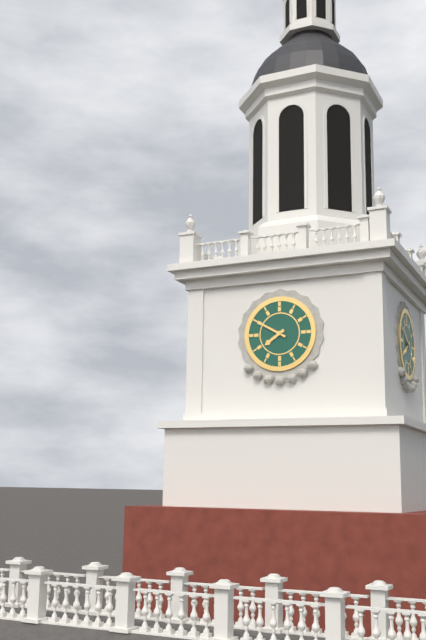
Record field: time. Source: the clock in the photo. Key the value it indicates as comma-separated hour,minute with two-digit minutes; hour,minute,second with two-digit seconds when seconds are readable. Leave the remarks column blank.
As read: 7,50
